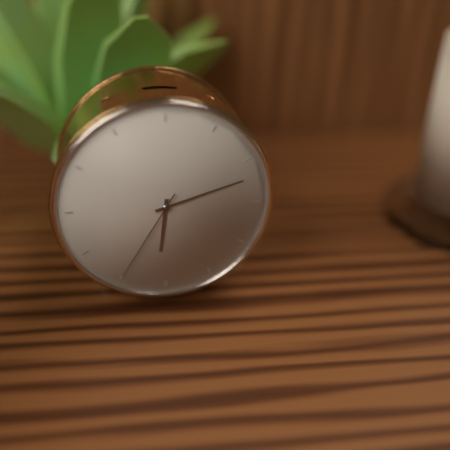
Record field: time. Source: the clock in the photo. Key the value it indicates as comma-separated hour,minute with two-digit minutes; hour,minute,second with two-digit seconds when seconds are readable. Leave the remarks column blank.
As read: 6,12,35
